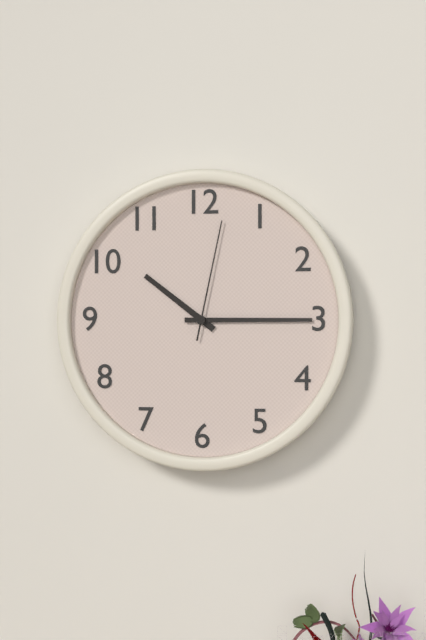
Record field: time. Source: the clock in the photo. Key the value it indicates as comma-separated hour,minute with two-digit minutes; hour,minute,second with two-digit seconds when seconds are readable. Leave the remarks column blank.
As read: 10,15,02
